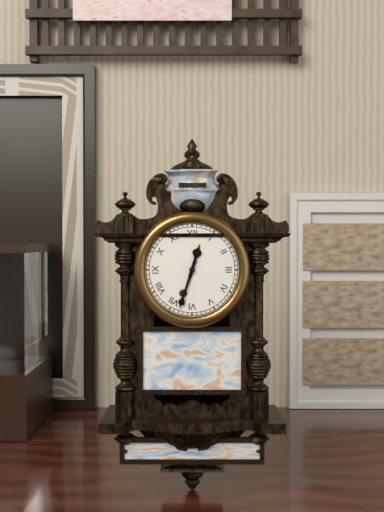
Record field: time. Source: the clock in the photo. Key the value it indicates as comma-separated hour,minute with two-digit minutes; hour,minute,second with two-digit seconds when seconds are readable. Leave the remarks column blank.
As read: 12,33
